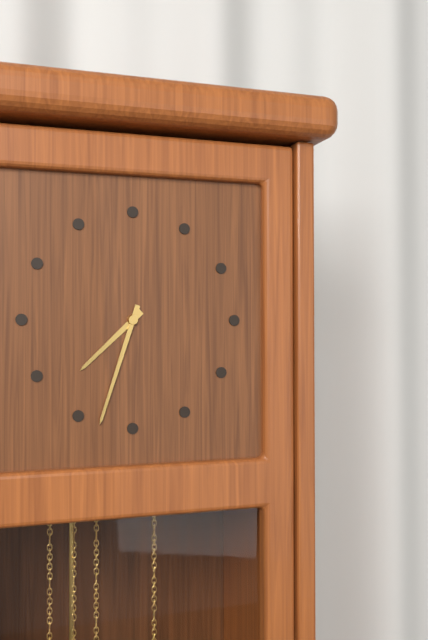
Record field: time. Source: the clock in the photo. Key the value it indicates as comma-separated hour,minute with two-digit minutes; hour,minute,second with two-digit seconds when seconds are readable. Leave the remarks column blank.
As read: 7,33
